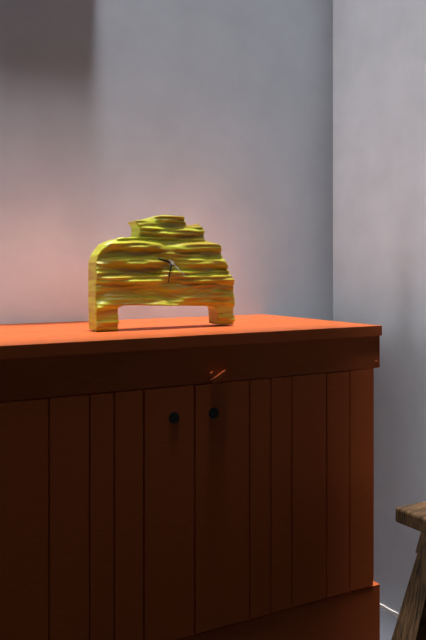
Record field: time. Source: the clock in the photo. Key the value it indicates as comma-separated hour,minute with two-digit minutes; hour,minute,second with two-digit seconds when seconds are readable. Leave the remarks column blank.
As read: 9,32
